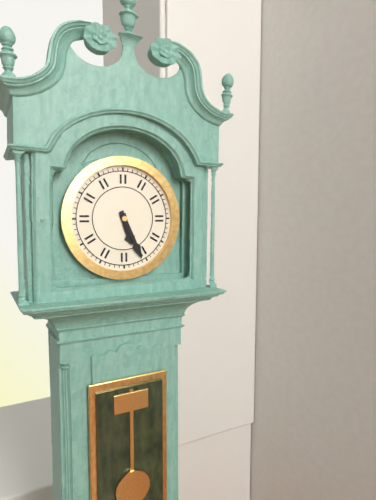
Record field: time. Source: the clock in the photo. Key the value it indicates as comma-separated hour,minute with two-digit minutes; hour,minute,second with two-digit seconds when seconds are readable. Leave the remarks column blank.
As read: 5,26
